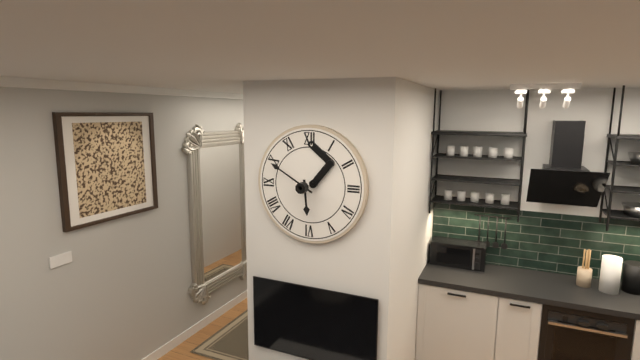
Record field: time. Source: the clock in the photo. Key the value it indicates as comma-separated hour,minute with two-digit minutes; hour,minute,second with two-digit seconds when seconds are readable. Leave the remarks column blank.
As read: 5,50
